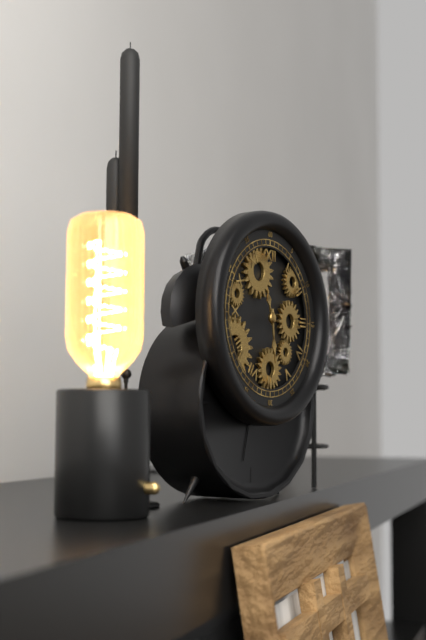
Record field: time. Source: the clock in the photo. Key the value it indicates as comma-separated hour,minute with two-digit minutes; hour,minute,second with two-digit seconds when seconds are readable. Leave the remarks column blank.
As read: 11,29
